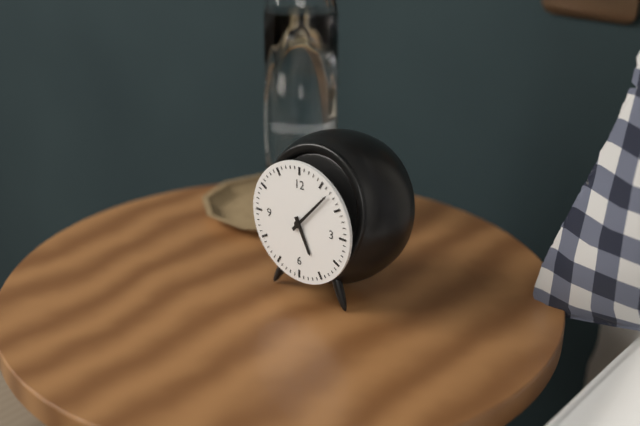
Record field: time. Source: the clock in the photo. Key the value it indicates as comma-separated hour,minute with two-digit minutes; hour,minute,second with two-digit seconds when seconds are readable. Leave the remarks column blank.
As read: 5,07
